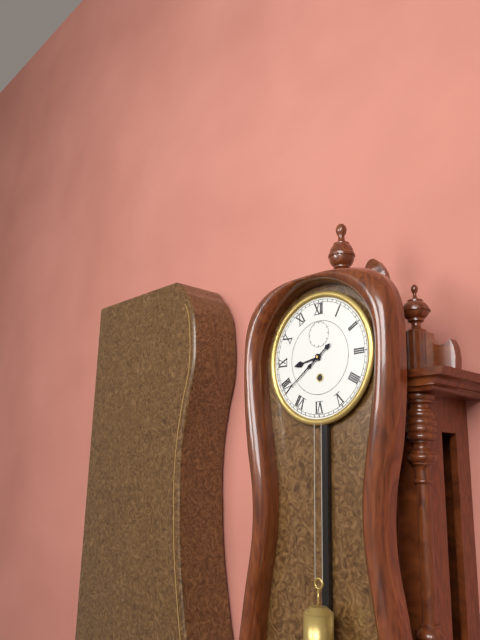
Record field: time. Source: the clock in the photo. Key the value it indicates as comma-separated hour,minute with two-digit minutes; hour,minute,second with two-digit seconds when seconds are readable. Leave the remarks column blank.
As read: 8,39
